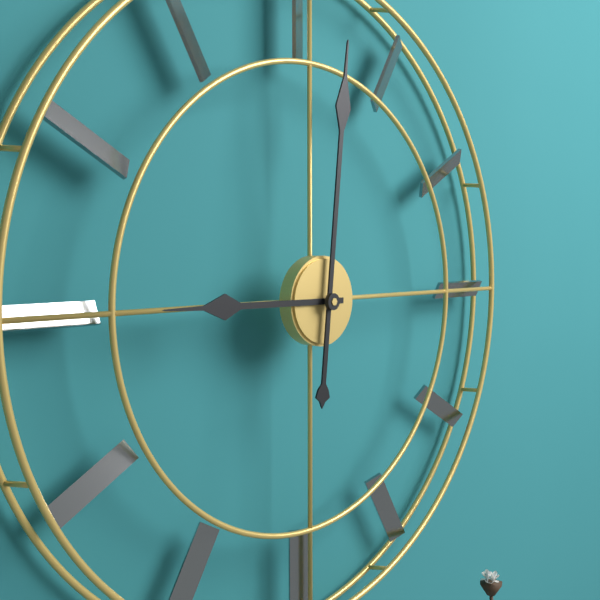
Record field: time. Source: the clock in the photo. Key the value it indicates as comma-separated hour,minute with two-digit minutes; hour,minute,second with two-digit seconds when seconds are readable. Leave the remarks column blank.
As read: 9,01
